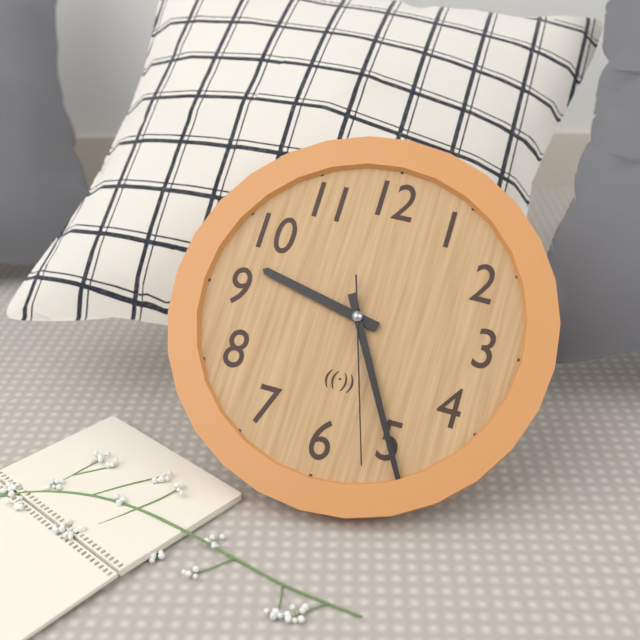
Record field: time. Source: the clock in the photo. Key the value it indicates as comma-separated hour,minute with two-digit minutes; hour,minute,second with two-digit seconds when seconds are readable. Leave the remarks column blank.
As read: 9,25,27
